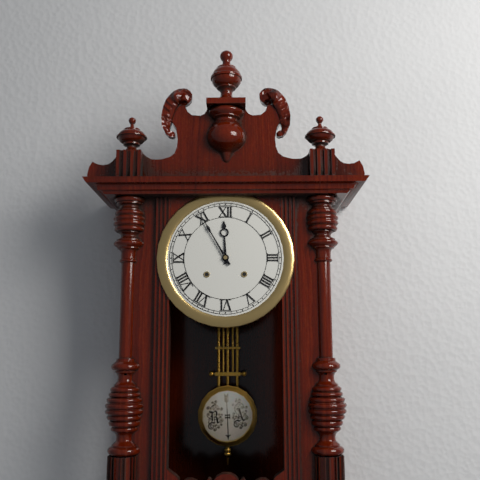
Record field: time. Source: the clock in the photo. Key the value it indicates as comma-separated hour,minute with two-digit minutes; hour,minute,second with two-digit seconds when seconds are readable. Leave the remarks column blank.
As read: 11,55
